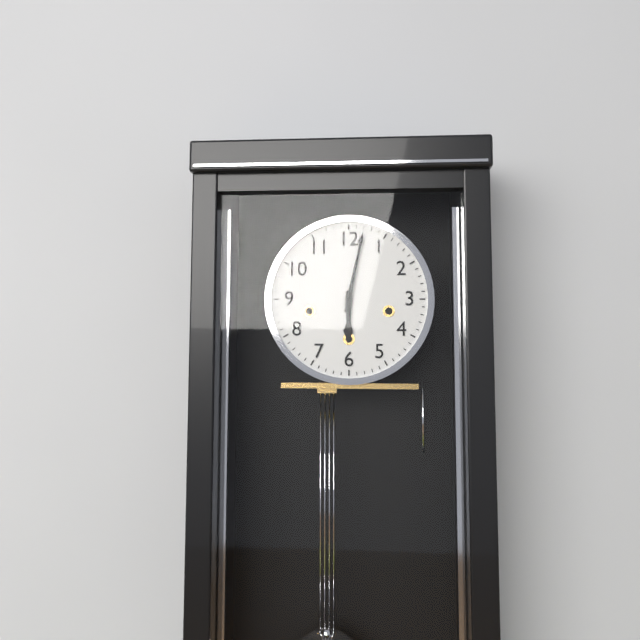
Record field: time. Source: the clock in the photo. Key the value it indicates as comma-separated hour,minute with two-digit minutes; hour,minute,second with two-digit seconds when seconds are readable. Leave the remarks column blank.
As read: 6,02
